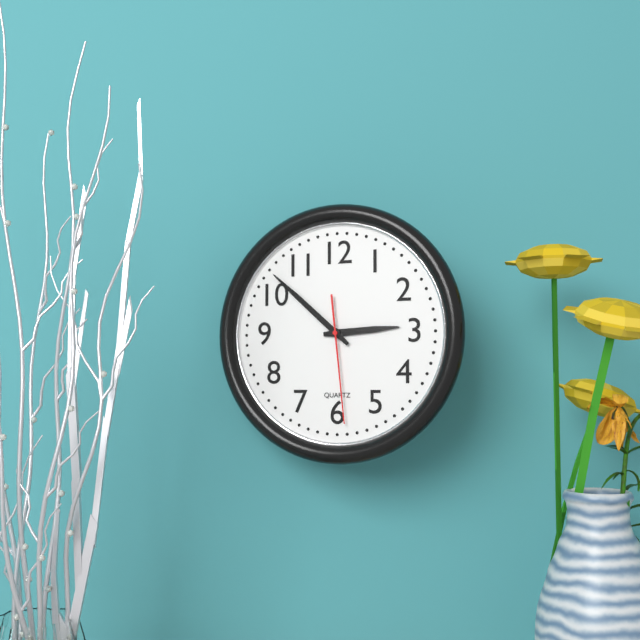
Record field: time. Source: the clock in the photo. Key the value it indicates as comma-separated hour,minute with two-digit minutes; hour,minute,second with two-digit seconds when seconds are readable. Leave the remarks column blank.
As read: 2,52,29
